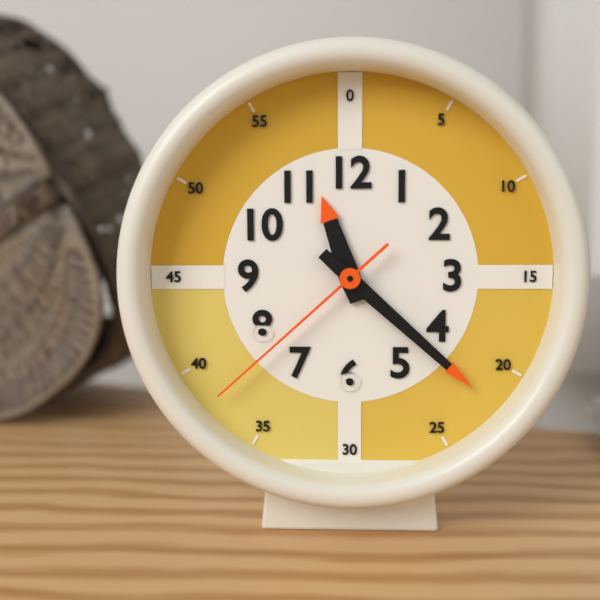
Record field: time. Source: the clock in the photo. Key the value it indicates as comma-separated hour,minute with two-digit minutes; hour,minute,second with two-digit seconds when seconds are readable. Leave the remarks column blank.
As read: 11,22,38
